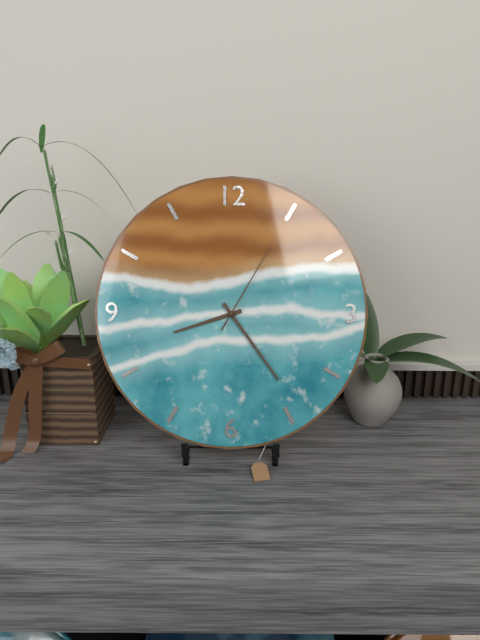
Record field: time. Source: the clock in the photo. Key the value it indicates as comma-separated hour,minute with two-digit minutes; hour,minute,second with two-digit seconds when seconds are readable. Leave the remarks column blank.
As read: 8,24,05
